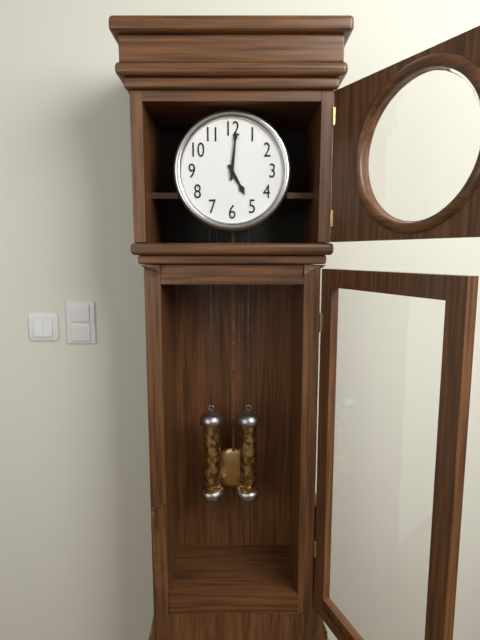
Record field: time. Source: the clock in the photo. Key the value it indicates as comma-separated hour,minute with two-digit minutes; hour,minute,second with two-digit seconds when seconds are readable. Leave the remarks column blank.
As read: 5,01
